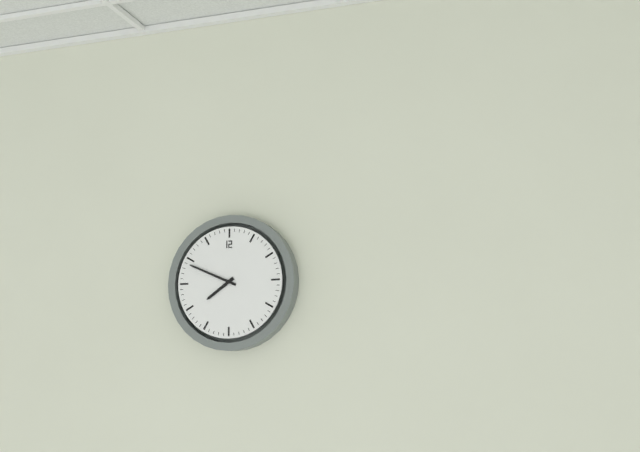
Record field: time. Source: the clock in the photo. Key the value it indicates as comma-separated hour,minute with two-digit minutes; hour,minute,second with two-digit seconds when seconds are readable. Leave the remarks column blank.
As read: 7,49
